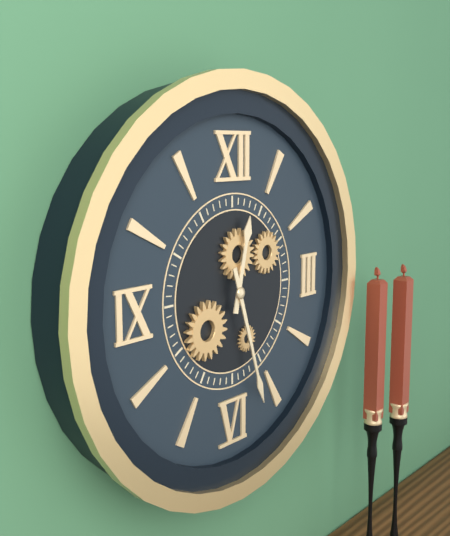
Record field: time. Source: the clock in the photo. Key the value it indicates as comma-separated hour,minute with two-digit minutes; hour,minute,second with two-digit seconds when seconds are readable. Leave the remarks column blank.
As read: 12,27
